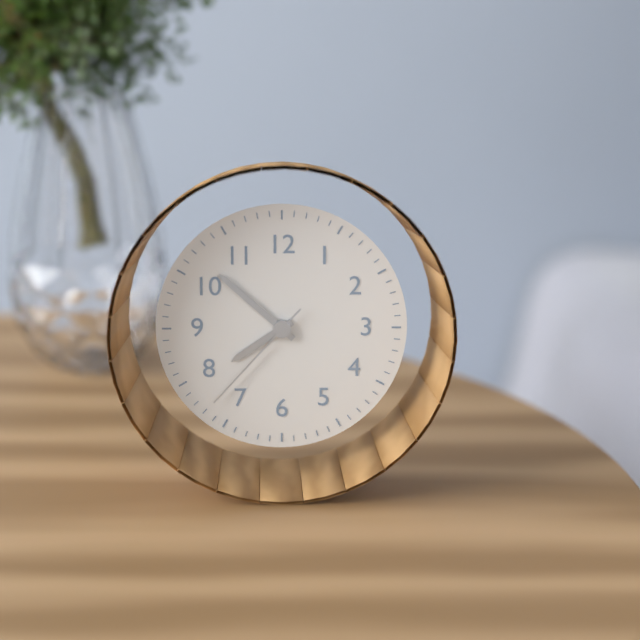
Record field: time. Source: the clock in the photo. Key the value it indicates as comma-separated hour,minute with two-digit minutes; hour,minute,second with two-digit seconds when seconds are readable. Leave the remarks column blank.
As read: 7,52,37
